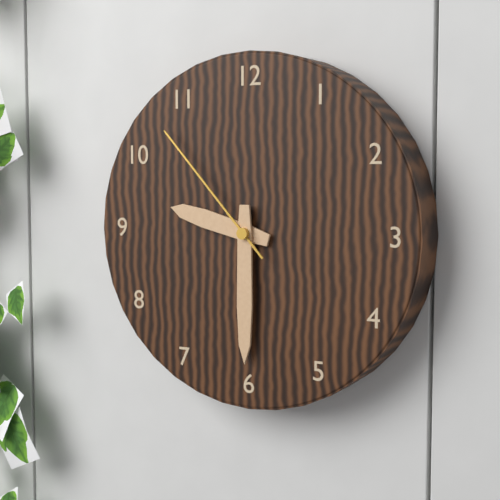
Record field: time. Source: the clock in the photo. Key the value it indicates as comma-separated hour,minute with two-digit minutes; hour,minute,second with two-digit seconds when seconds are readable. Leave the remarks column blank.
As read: 9,30,53
